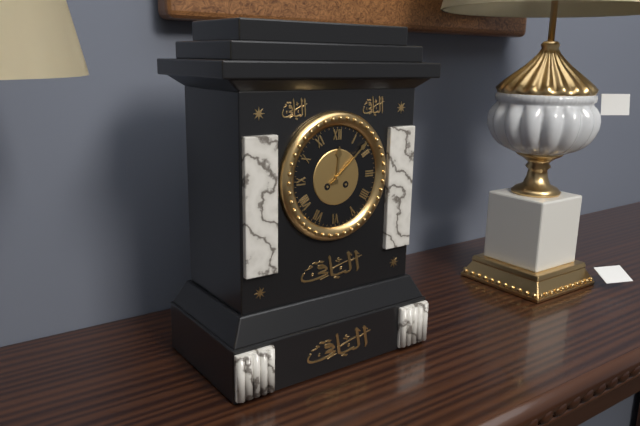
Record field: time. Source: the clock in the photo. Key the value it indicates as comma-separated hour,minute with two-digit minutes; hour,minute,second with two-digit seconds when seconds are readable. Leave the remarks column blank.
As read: 12,08
